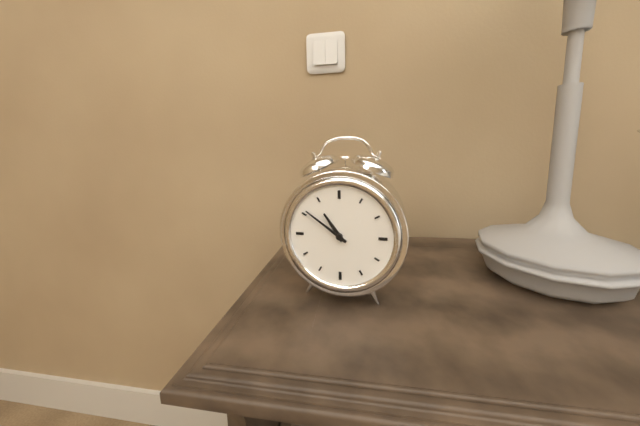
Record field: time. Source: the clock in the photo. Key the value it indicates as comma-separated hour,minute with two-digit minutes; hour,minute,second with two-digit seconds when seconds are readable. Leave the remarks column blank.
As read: 10,51
